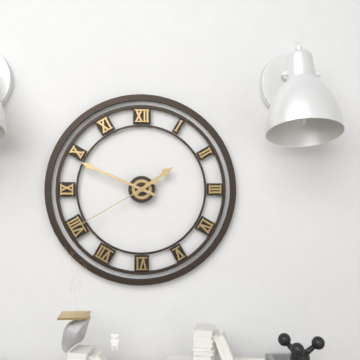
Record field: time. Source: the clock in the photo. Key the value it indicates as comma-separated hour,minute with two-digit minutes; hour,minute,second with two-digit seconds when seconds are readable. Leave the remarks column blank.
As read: 1,49,40
